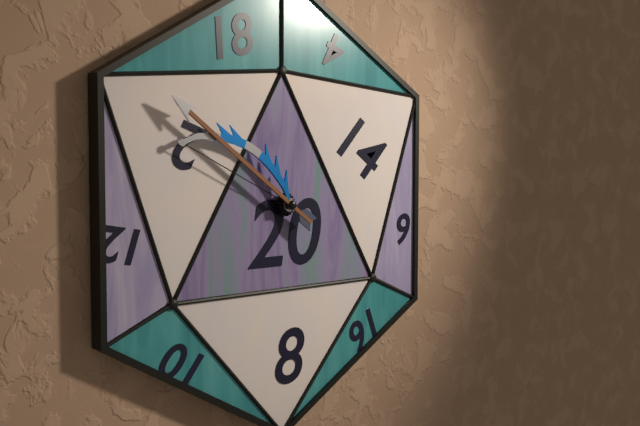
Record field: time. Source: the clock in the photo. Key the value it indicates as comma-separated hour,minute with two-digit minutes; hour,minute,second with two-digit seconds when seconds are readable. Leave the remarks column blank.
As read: 9,51
